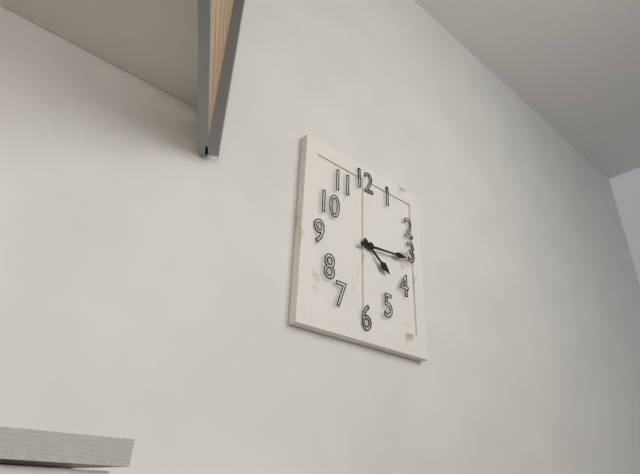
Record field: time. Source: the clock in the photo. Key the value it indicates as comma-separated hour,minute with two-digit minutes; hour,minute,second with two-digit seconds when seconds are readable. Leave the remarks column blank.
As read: 4,14
